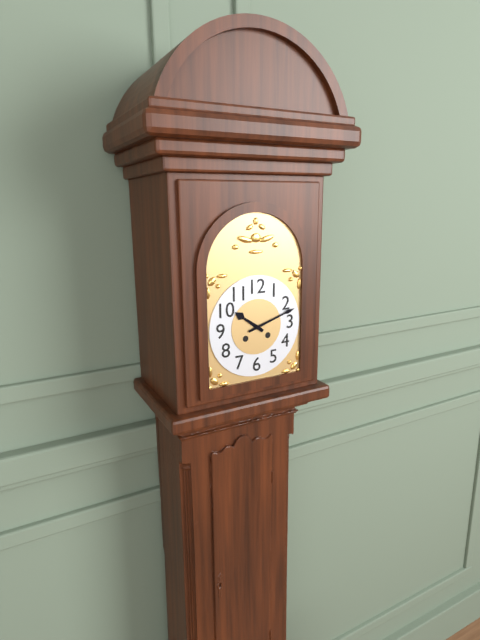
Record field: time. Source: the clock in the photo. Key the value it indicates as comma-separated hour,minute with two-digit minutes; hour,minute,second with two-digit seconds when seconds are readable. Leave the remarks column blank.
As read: 10,12
